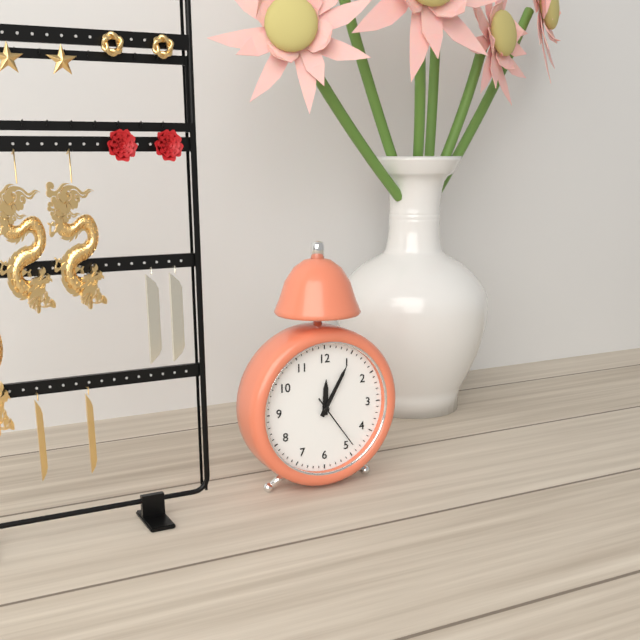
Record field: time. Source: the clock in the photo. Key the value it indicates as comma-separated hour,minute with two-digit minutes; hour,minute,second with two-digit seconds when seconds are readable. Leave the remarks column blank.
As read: 12,05,24
